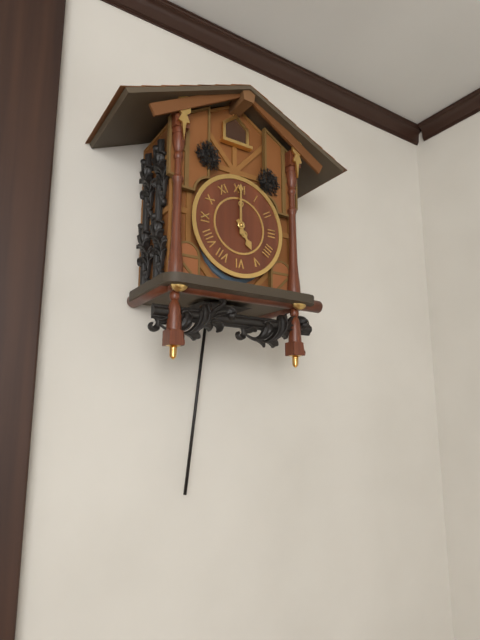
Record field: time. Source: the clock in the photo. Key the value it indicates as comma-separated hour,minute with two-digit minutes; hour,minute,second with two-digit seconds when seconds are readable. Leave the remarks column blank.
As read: 5,00
